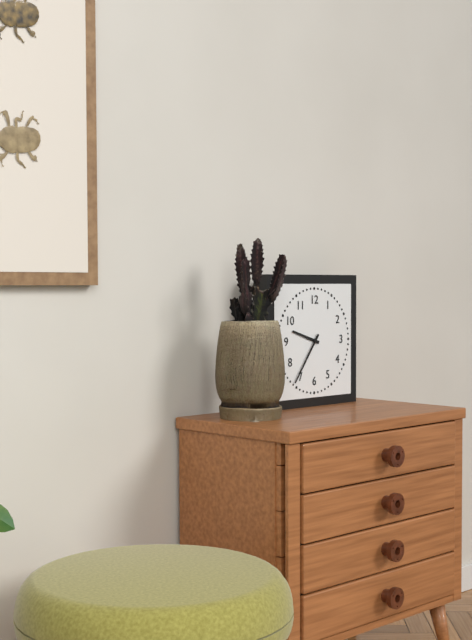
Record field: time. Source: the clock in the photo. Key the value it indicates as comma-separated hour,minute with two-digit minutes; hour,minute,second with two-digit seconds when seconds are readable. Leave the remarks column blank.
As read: 9,36
